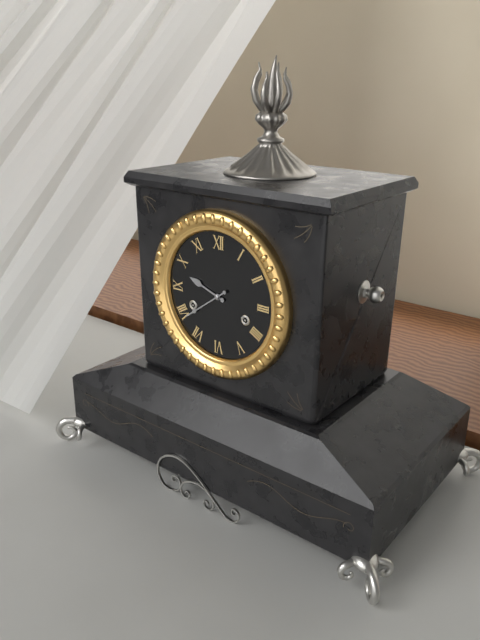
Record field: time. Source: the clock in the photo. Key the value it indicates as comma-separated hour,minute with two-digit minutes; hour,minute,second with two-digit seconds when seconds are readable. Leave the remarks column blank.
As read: 9,39
